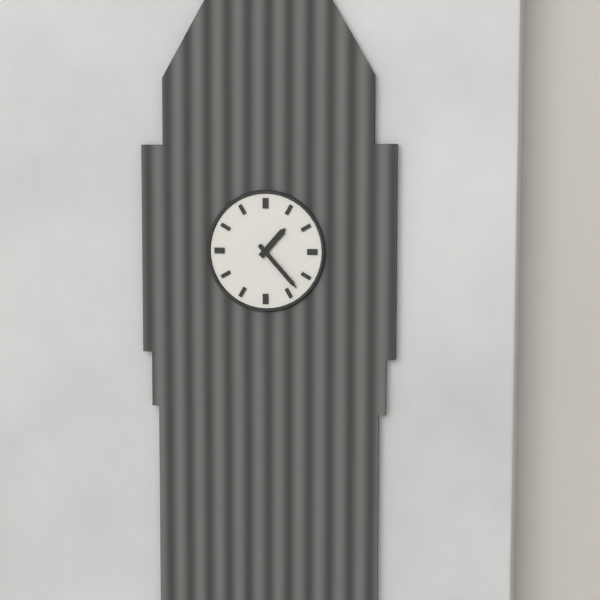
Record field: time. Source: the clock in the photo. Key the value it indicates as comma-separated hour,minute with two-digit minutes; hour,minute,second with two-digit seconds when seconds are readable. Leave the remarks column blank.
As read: 1,23
